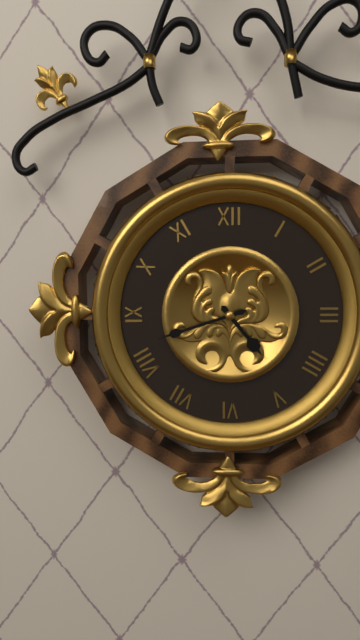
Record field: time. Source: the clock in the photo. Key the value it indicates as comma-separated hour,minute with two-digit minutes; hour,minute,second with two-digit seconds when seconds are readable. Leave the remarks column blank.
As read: 4,42
